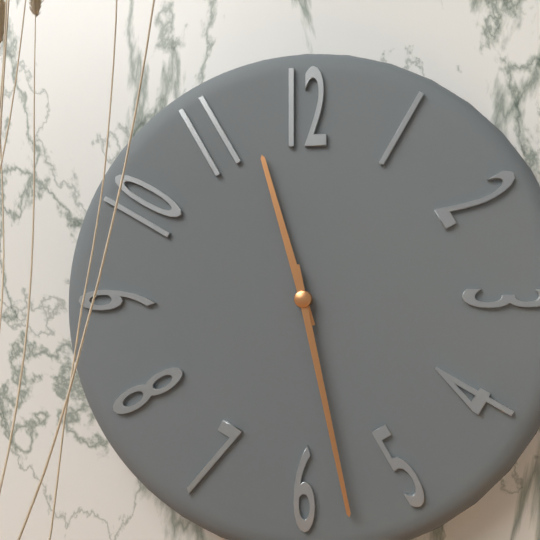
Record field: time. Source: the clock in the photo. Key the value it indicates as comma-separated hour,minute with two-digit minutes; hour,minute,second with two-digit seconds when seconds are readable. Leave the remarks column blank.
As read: 11,28
